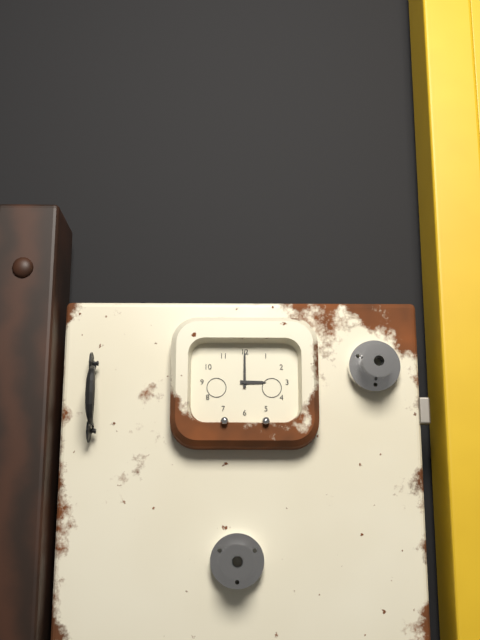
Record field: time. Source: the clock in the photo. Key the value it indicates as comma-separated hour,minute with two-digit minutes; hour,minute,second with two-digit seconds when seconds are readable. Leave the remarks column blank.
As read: 3,00
